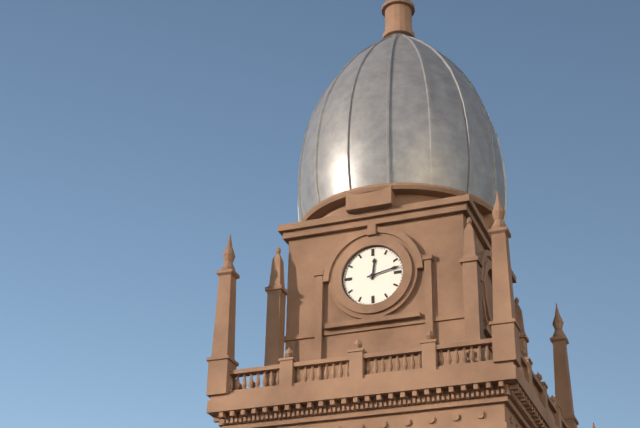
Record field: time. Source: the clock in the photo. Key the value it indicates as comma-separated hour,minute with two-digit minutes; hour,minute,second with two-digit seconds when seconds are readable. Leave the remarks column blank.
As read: 12,13
